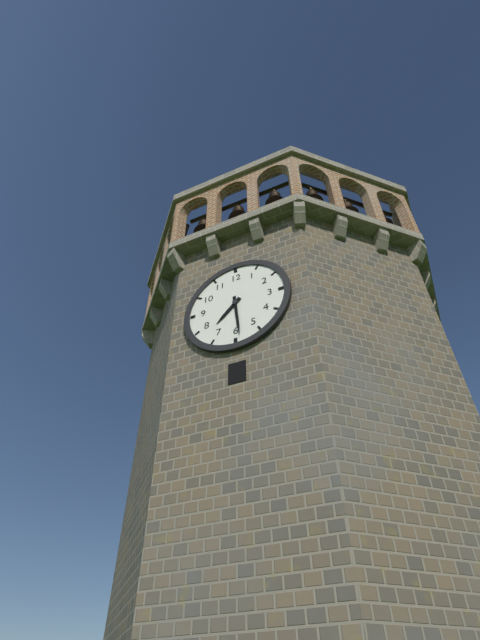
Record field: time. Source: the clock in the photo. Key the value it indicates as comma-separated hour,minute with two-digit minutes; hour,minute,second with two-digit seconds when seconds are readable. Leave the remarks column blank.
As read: 7,29
